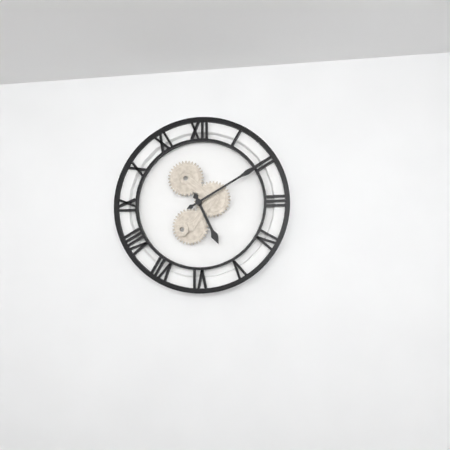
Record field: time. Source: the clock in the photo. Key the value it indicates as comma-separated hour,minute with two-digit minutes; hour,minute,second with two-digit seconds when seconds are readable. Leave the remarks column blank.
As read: 5,10
